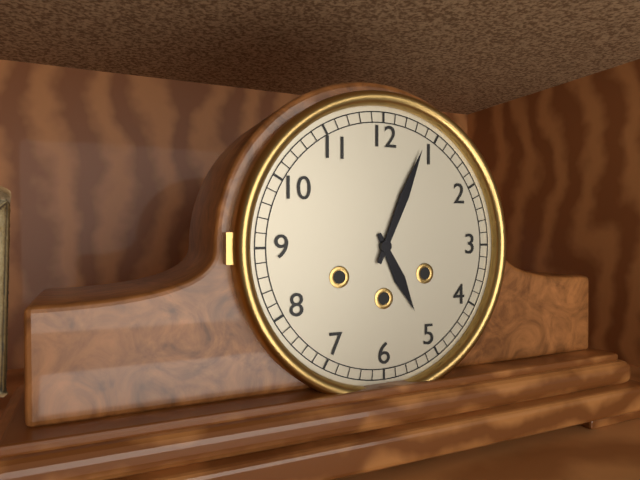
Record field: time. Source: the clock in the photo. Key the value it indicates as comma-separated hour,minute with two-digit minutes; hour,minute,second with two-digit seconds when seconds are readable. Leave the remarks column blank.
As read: 5,04
